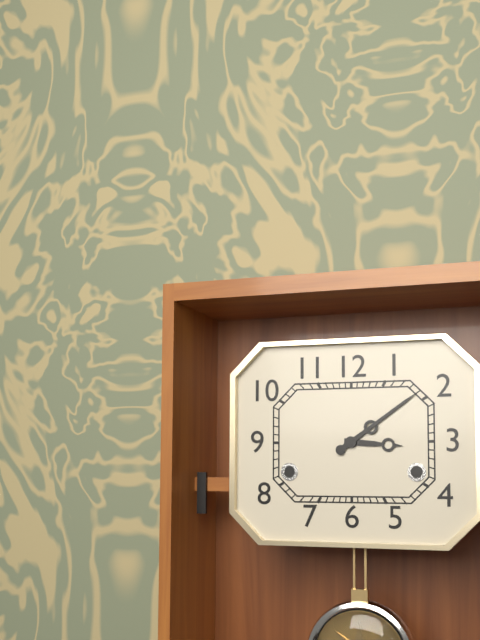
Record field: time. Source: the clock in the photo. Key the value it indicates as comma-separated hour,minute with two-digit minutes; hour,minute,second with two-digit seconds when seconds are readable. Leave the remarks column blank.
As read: 3,09
